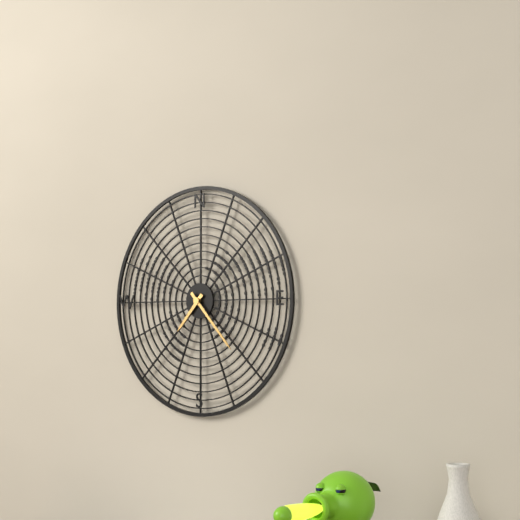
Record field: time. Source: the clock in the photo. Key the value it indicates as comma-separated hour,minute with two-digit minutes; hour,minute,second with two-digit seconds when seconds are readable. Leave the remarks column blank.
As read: 7,23
